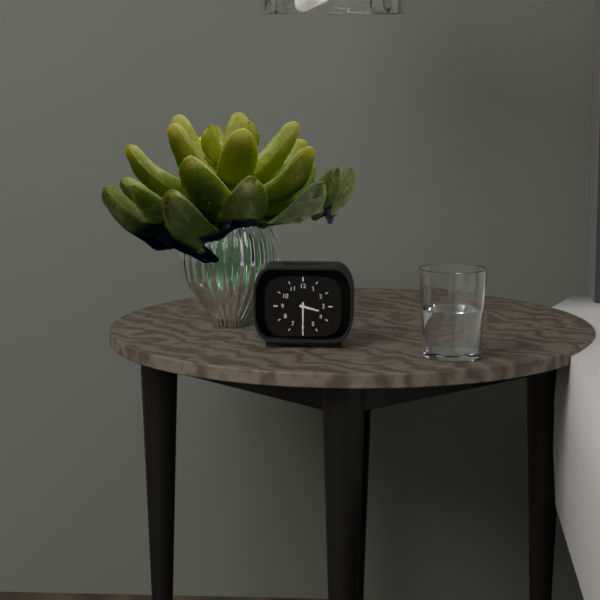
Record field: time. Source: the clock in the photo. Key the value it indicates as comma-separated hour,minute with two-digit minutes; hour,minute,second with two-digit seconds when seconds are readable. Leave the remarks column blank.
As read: 3,30
